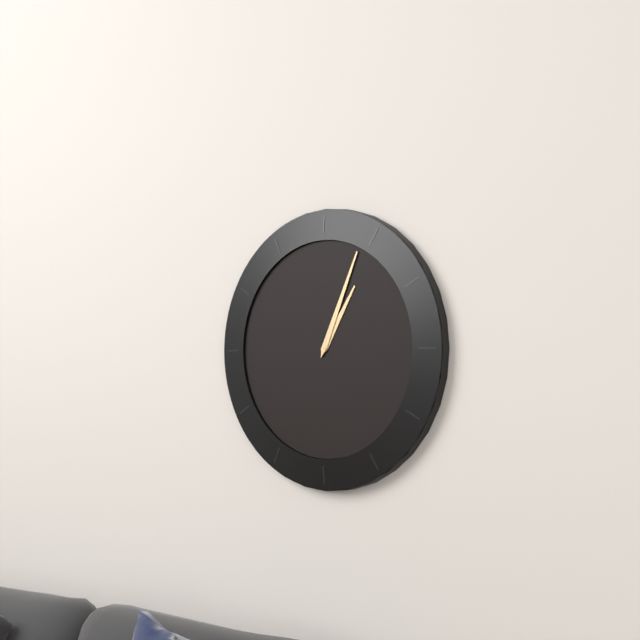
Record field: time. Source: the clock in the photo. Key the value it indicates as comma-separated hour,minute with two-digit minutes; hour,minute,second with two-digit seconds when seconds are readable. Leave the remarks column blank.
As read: 1,04
